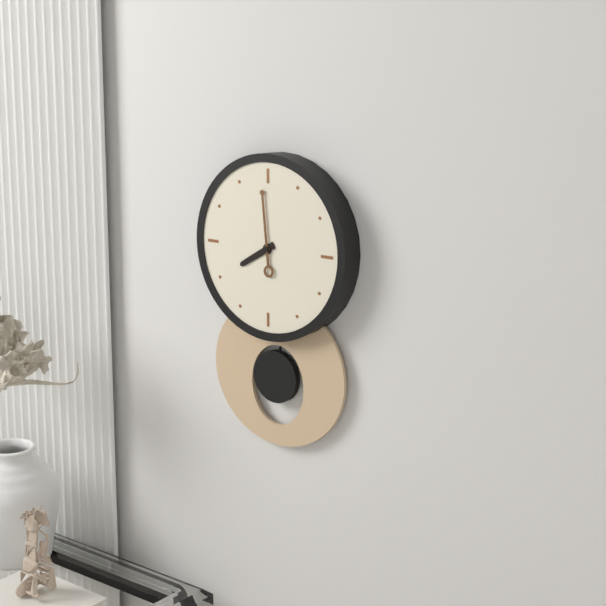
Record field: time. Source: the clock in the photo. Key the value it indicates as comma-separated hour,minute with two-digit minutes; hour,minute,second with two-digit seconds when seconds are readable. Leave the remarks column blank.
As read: 7,59
